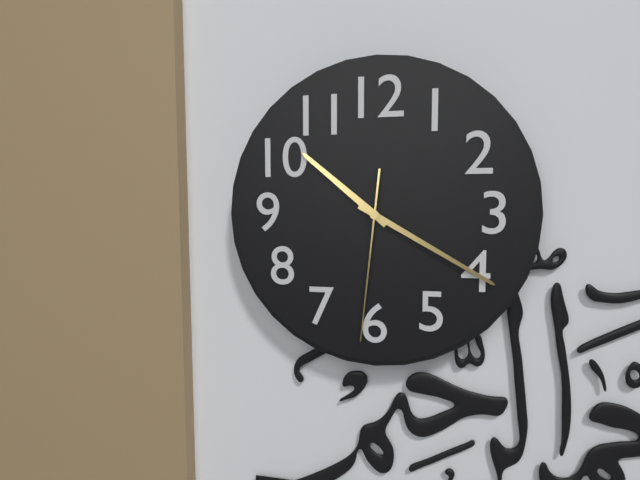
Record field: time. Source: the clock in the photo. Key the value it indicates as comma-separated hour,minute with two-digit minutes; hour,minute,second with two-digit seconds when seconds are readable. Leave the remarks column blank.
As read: 10,20,31
